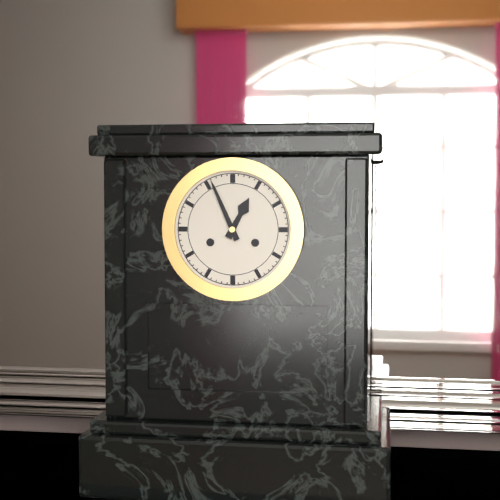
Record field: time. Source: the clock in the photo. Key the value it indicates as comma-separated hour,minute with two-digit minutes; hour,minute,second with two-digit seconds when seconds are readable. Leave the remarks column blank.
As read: 12,56
